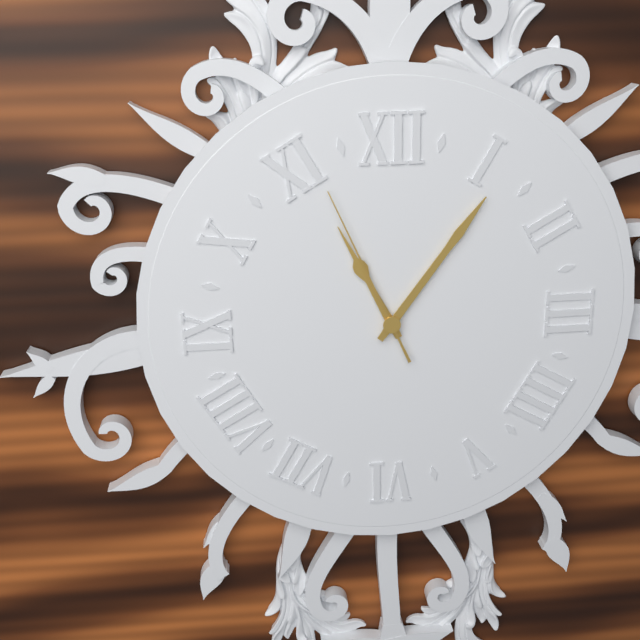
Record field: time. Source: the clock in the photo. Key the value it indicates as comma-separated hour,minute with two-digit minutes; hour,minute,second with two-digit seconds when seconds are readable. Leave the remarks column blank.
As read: 11,06,56
